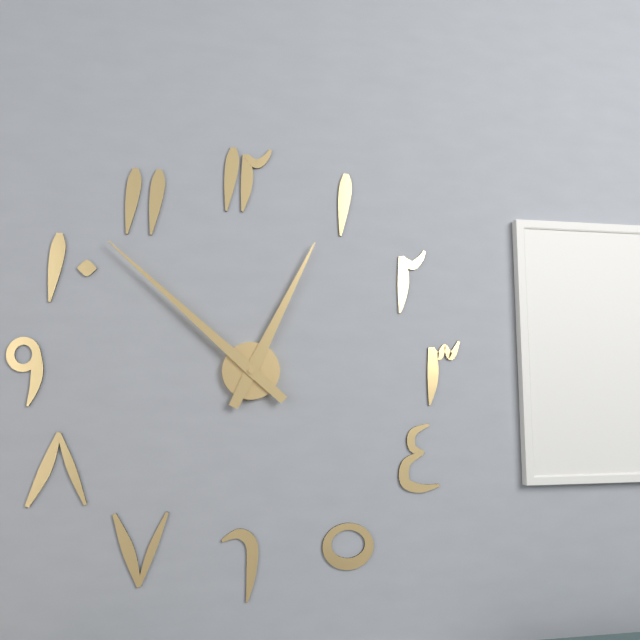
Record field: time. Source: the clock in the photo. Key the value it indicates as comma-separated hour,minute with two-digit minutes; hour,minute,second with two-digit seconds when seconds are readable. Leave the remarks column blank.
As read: 12,52
